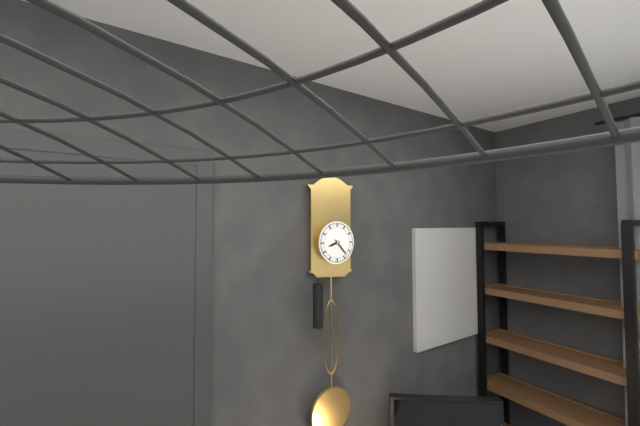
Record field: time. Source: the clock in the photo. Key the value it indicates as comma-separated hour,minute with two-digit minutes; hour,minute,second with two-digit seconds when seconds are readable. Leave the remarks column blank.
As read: 8,23
